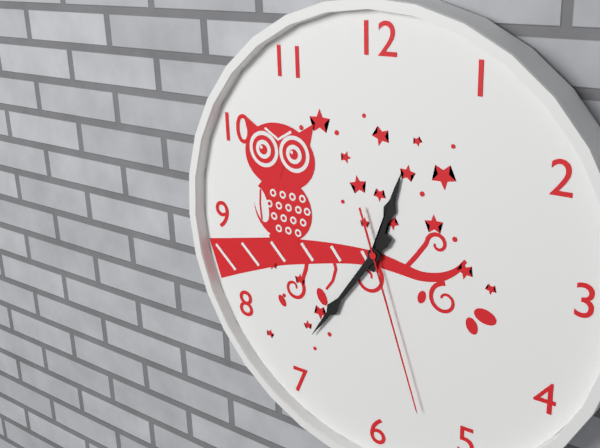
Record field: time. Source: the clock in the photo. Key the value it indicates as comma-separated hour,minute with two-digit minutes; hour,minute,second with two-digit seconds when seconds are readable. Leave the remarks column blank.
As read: 12,36,27
